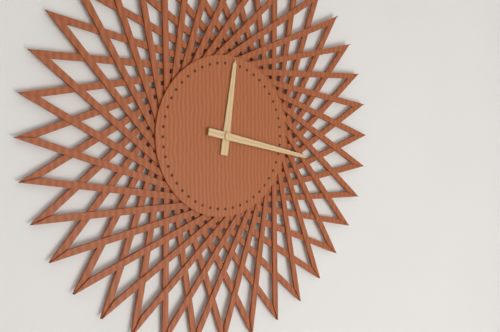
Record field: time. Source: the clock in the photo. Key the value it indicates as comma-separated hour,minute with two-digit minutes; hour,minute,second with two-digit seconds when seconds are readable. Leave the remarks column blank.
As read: 12,17
